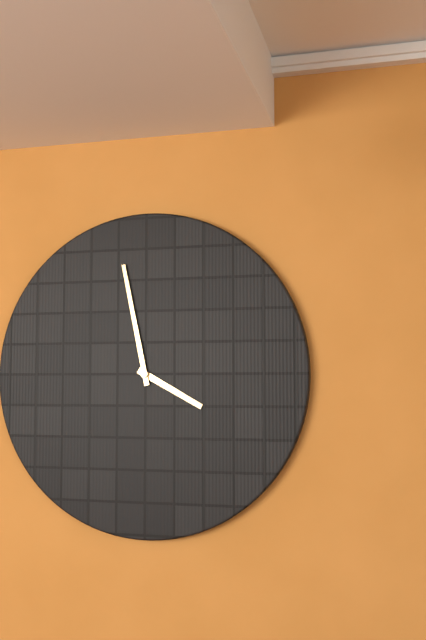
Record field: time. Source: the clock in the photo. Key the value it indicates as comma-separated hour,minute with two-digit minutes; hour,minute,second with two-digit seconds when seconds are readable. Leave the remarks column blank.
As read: 3,58
